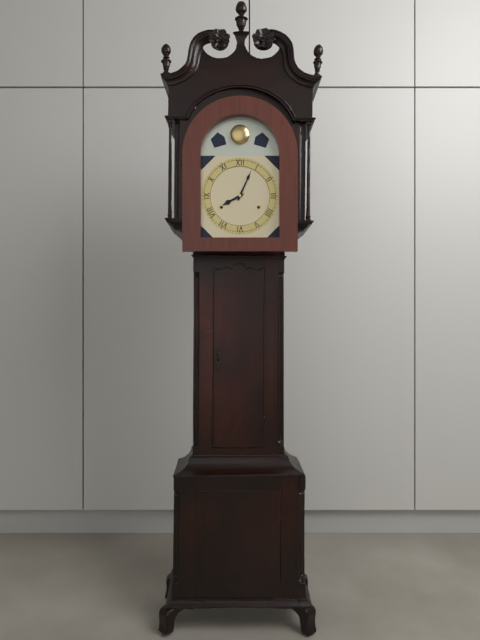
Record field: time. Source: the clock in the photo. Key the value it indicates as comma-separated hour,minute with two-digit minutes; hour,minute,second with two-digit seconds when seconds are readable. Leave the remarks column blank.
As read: 8,04
